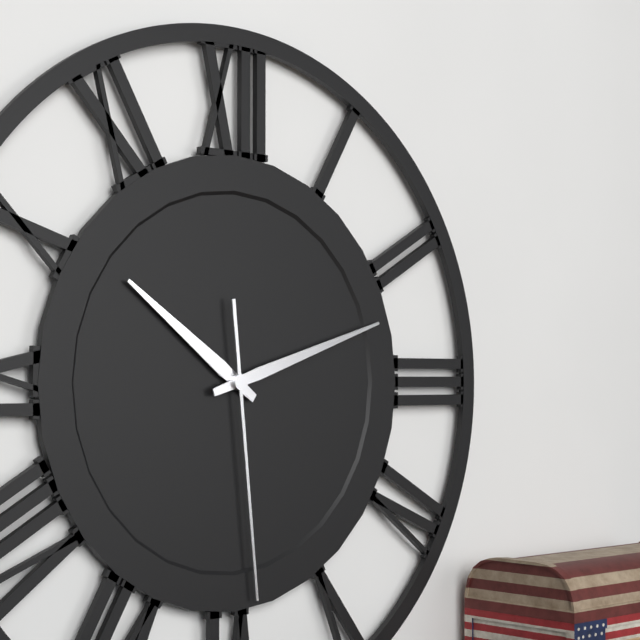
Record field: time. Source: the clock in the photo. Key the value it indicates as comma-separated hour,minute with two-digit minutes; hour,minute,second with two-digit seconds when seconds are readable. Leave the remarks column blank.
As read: 10,12,29
